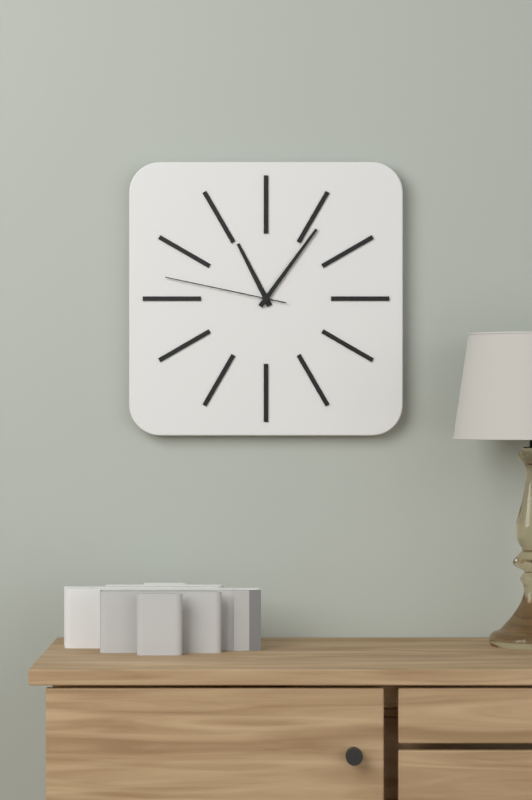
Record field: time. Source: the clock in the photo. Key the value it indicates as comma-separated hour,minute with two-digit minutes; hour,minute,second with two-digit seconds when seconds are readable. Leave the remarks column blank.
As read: 11,06,47
